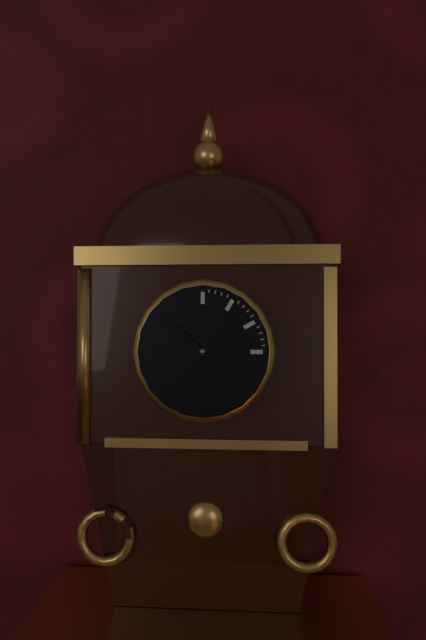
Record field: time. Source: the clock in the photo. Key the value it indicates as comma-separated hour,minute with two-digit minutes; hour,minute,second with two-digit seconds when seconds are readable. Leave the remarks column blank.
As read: 1,52
